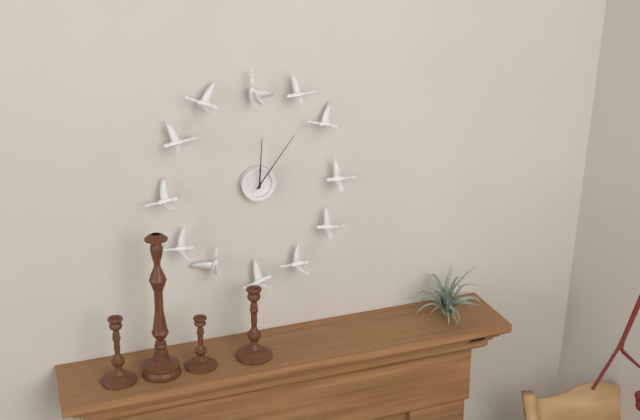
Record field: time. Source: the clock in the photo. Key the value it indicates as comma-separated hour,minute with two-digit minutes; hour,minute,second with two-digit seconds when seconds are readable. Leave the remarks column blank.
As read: 12,06
